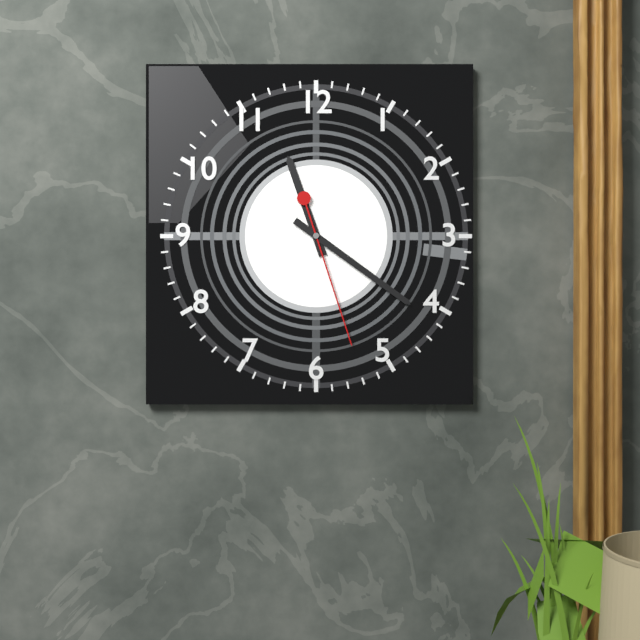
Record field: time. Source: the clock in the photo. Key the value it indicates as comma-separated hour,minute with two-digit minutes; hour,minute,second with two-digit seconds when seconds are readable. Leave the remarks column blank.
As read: 11,21,27
